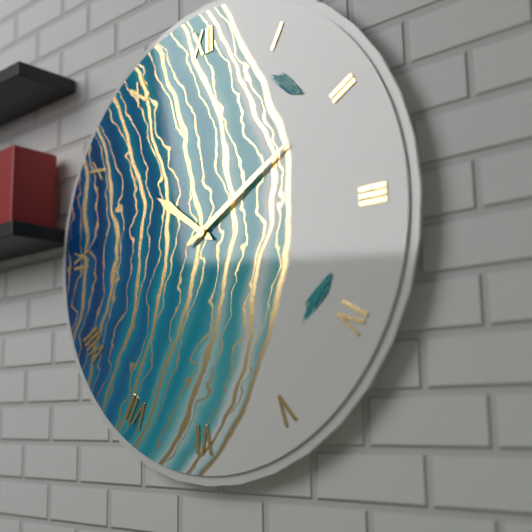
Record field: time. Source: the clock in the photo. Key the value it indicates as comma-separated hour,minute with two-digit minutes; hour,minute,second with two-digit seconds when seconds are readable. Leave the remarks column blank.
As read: 10,10
